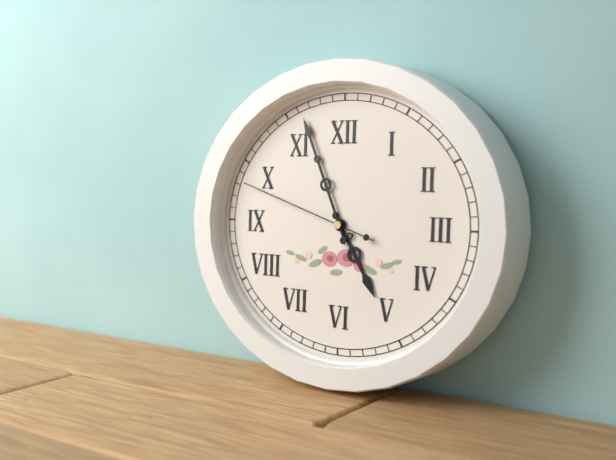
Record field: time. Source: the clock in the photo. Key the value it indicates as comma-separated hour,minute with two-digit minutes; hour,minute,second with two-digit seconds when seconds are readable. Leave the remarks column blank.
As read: 4,56,48
